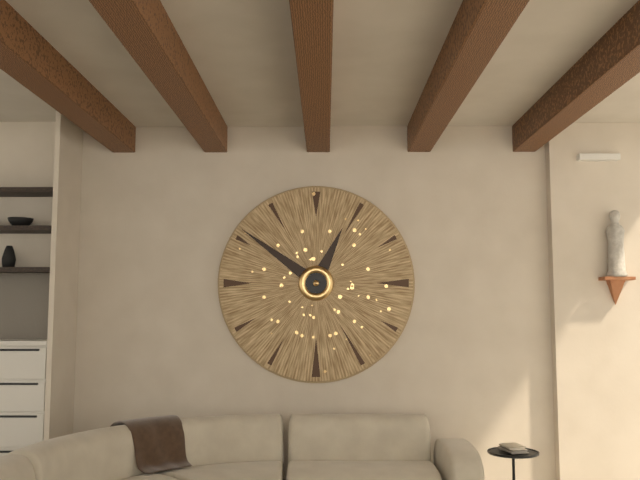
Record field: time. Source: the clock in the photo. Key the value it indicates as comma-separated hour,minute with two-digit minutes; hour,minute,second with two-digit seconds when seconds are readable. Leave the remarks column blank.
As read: 12,51
